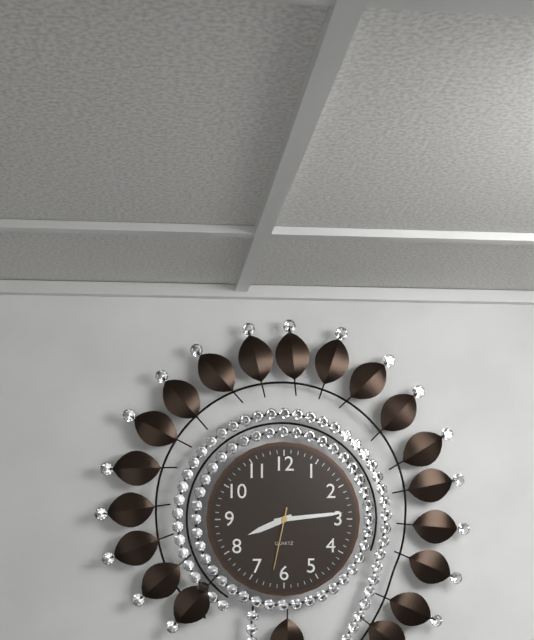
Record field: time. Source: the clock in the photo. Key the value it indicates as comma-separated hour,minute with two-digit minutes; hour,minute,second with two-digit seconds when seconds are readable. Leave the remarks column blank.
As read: 8,14,32
